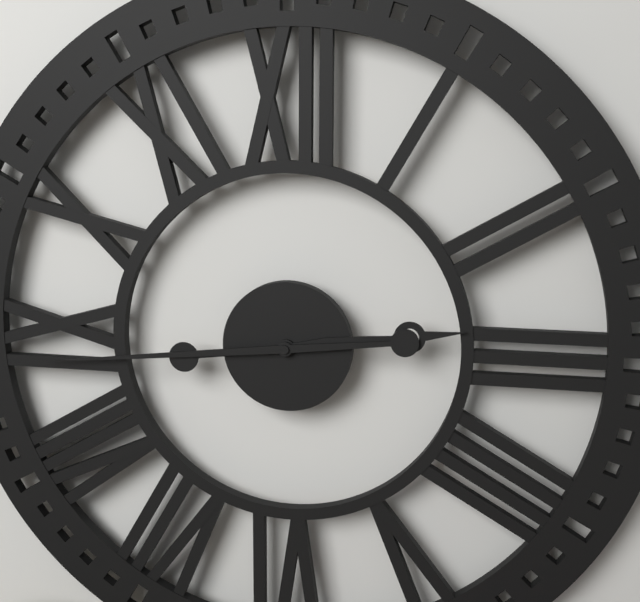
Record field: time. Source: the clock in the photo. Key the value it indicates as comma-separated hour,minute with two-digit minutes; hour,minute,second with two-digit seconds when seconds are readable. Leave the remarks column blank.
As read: 2,44
